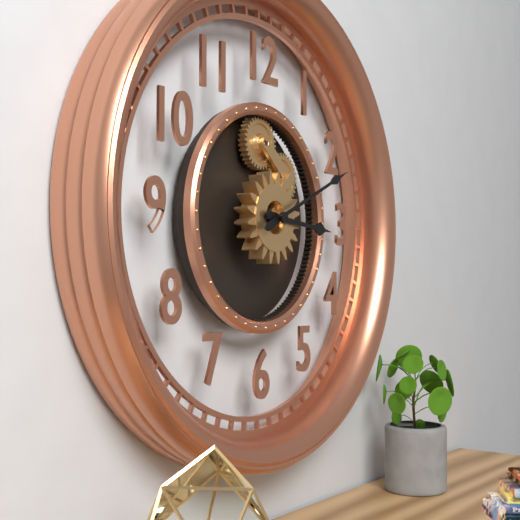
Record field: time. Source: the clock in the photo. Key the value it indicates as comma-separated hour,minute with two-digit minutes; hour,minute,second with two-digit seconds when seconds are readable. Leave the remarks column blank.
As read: 3,11
